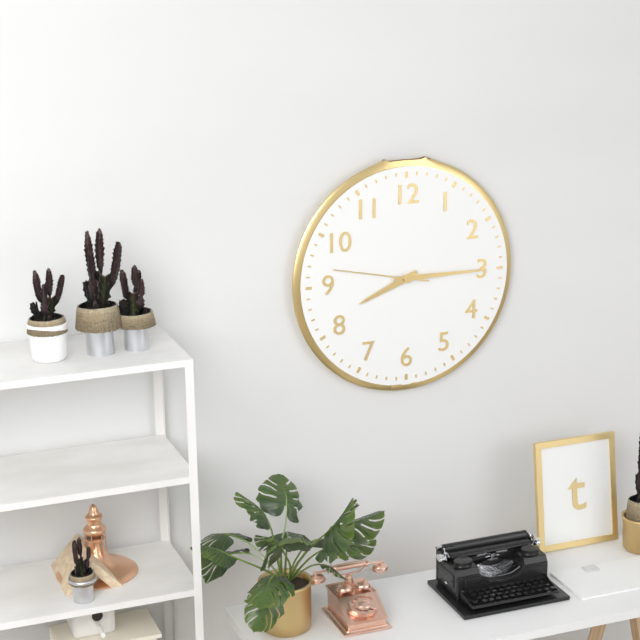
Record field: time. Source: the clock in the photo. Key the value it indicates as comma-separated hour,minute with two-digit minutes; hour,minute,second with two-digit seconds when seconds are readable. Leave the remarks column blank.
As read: 8,15,47
